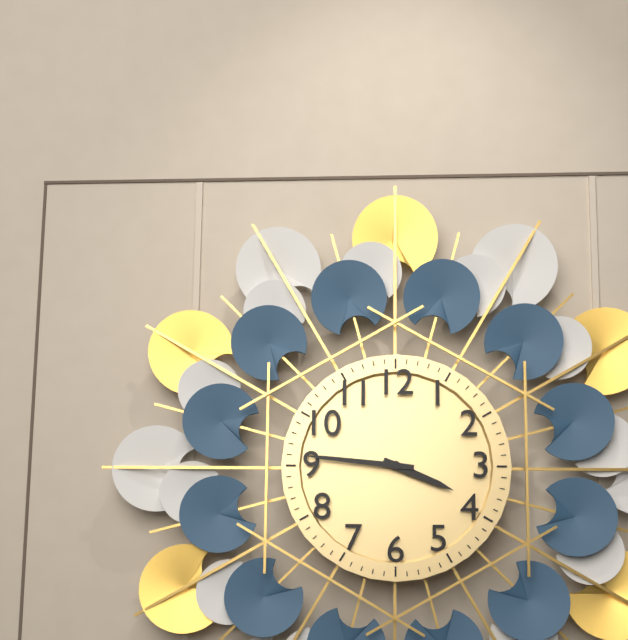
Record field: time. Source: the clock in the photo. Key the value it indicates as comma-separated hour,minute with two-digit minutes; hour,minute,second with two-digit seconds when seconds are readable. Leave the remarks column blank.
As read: 3,46
